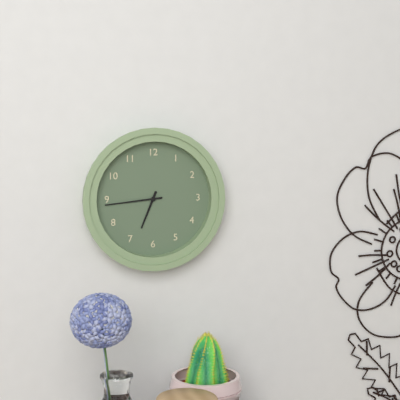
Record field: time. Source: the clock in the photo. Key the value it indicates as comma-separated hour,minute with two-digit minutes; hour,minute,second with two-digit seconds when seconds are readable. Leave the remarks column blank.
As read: 6,44
